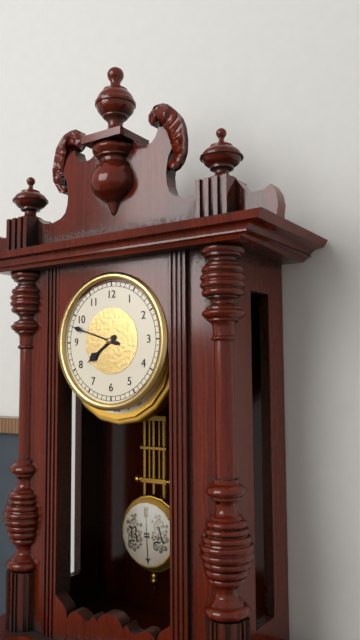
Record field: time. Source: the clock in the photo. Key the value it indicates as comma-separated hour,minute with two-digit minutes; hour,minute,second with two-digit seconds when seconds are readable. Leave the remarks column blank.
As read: 7,48
